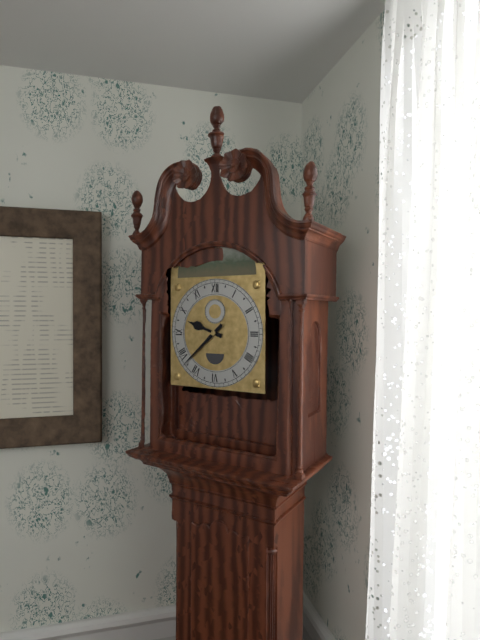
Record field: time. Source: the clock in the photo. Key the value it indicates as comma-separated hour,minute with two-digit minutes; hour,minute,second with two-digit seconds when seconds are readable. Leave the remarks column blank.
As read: 9,38
